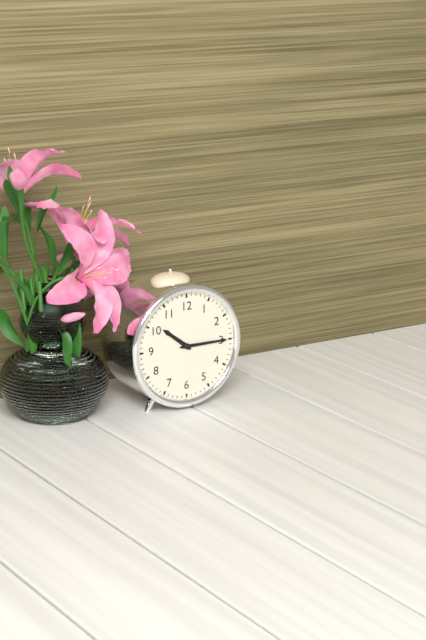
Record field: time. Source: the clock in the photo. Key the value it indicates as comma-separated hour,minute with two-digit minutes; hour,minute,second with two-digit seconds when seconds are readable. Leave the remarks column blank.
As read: 10,15
